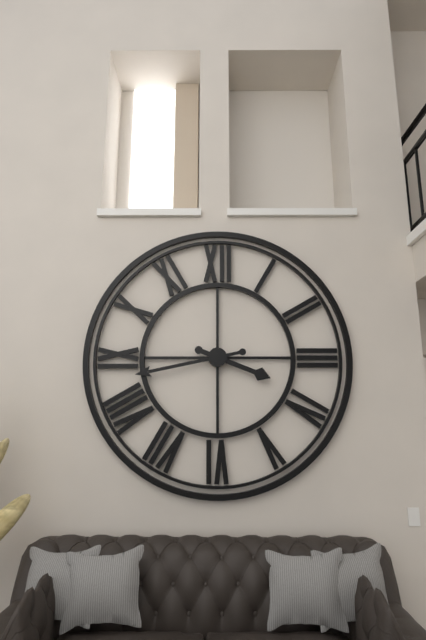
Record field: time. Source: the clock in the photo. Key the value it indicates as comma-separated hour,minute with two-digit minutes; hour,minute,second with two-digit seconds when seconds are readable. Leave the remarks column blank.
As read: 3,43
